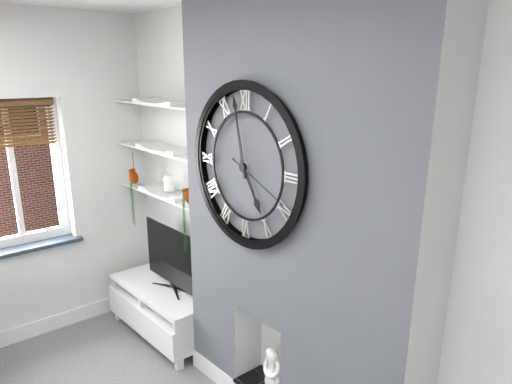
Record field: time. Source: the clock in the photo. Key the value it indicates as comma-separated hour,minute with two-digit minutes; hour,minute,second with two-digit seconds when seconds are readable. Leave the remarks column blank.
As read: 4,58,19
